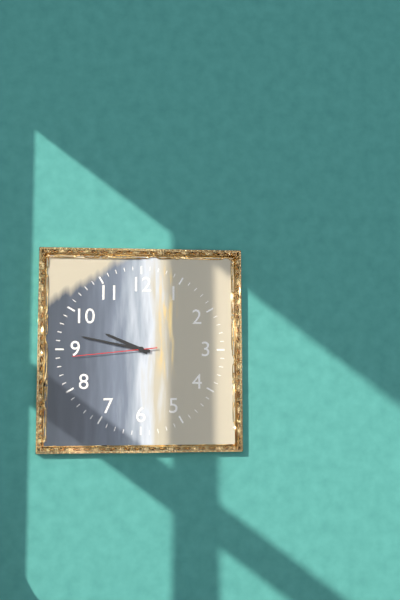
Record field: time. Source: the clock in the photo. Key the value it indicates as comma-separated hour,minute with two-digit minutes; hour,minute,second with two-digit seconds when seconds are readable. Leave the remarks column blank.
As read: 9,47,44
